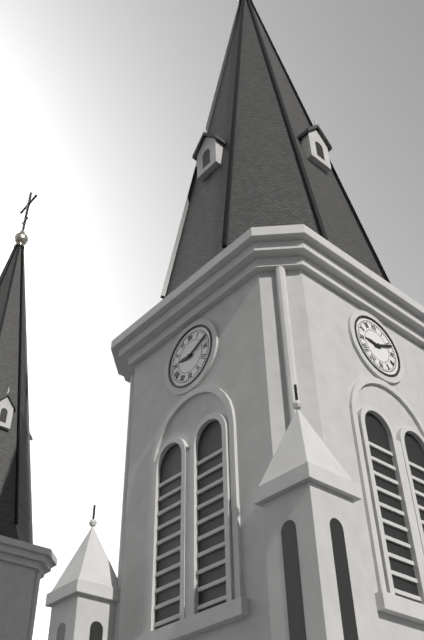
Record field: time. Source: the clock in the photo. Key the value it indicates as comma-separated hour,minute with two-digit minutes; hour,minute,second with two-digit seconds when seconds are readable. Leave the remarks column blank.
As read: 9,11
